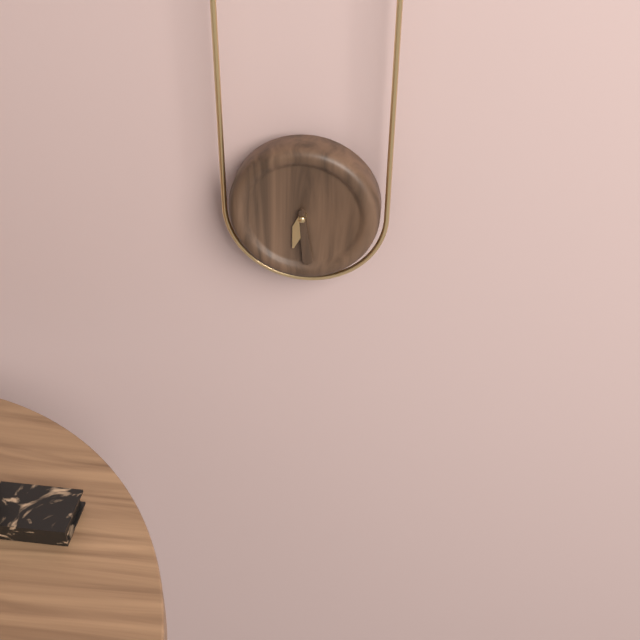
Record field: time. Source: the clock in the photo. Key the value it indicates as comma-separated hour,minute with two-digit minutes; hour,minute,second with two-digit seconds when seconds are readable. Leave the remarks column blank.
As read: 6,29
